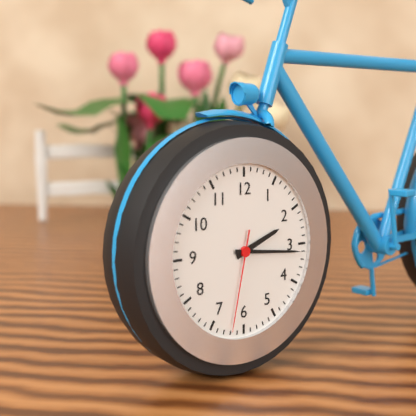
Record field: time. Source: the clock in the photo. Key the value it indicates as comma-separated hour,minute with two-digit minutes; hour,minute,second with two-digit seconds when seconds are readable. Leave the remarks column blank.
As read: 2,16,32
